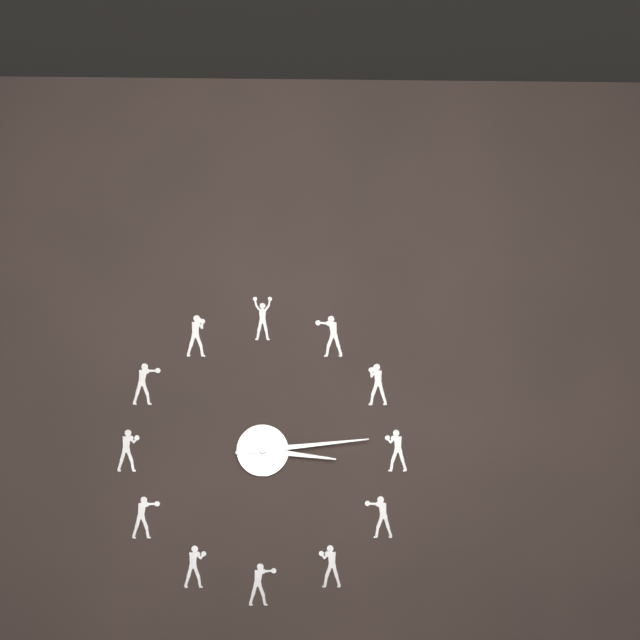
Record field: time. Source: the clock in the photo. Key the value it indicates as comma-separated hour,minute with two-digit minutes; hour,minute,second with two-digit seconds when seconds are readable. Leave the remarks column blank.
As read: 3,14
